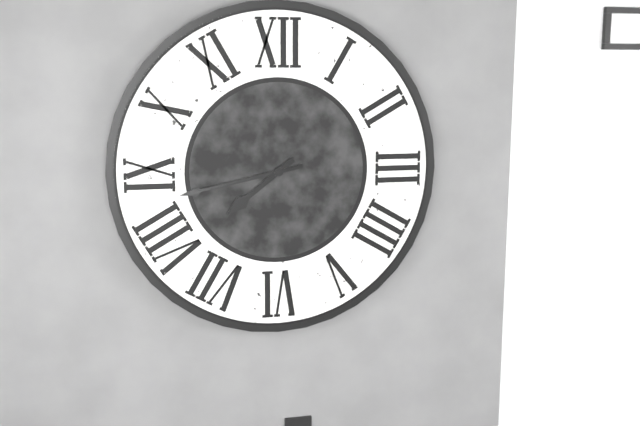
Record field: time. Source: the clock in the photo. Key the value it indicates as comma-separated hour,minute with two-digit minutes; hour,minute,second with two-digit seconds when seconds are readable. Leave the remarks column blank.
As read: 7,43
